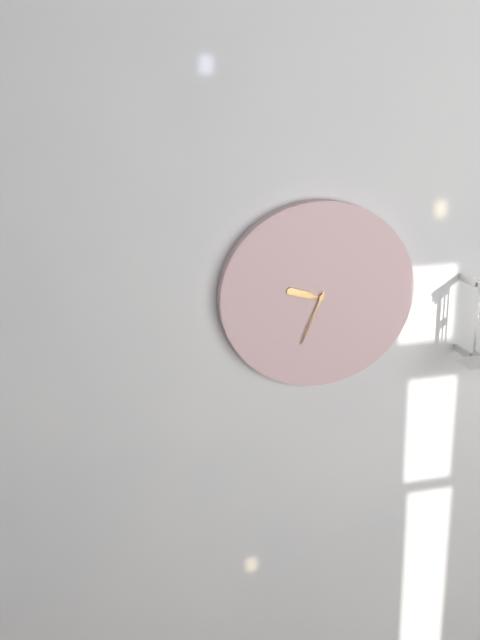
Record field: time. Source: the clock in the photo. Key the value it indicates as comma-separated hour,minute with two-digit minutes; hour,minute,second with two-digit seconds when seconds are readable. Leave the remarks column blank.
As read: 9,34
